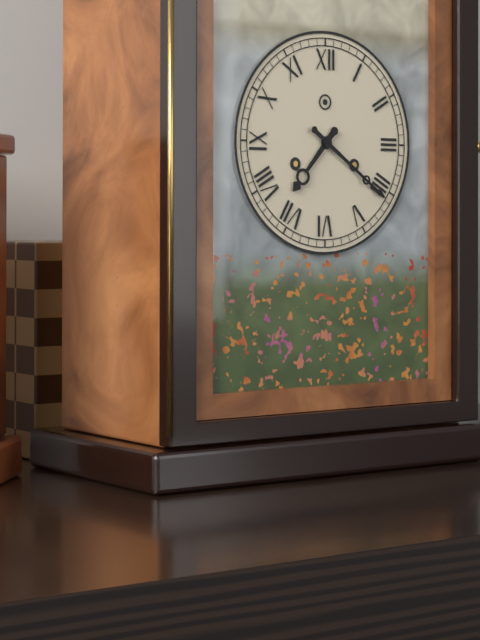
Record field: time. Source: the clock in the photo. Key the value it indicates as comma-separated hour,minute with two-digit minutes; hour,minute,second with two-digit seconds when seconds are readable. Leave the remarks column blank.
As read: 7,21
